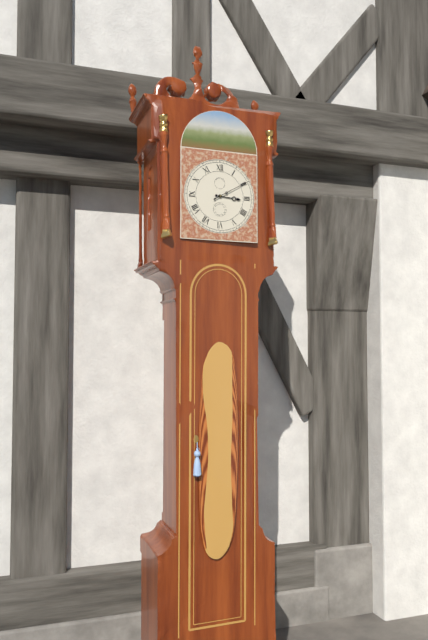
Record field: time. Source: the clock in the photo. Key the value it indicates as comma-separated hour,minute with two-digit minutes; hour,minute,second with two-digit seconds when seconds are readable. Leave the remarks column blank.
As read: 3,10
